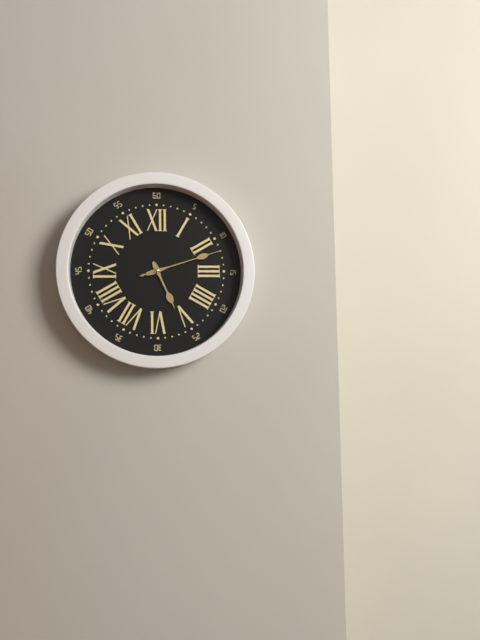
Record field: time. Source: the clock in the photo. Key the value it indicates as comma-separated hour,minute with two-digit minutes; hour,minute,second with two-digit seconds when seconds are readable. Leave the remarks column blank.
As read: 5,12,12
